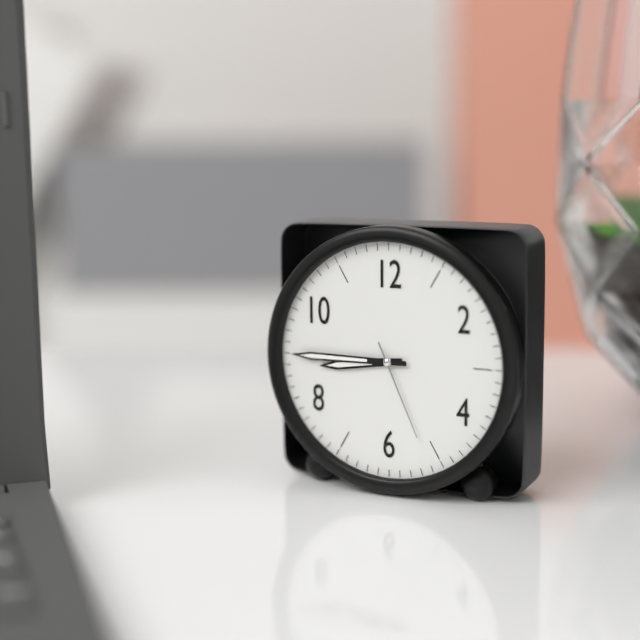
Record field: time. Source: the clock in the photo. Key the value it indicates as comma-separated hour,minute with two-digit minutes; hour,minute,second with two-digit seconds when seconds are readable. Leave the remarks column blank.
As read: 8,45,26
